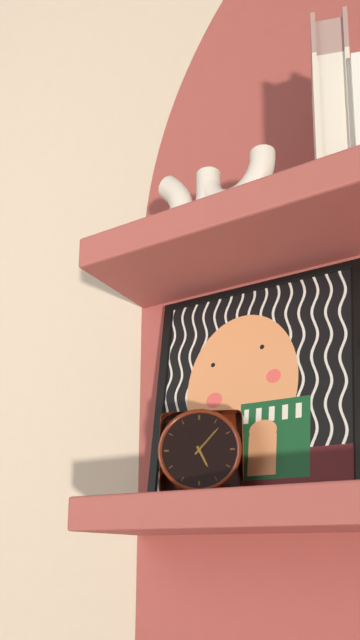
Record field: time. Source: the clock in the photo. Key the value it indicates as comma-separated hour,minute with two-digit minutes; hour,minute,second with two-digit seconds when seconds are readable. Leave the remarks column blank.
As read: 5,07
